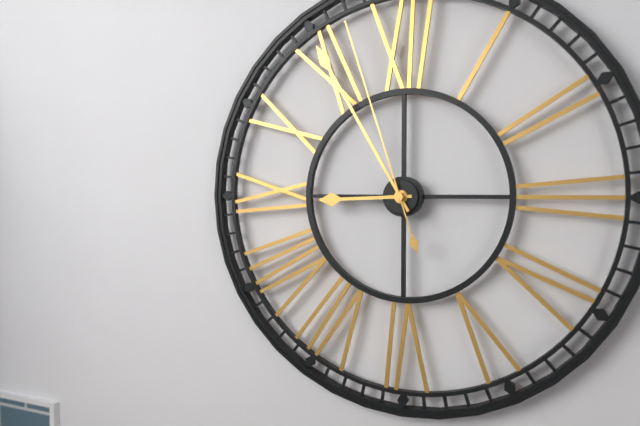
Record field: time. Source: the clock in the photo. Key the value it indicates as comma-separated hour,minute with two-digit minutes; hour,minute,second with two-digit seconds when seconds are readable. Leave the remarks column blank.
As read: 8,55,57
